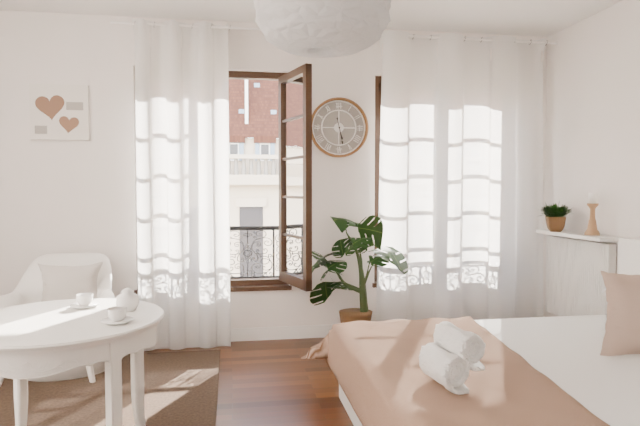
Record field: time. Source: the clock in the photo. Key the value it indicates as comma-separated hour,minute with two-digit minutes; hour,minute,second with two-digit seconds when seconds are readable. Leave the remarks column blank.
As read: 5,28
